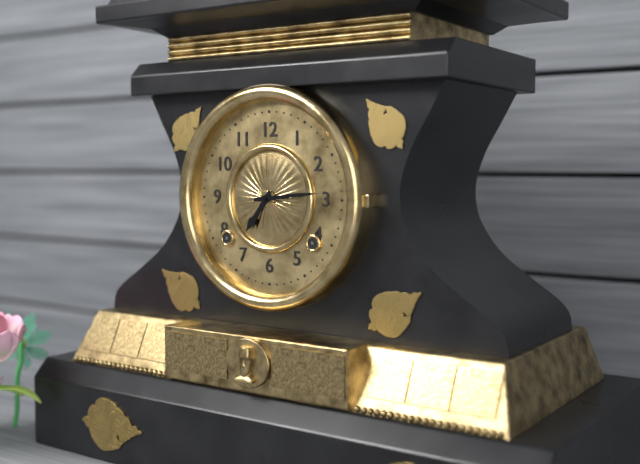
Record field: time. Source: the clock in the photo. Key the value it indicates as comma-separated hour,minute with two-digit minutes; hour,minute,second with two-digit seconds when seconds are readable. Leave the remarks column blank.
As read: 7,14
